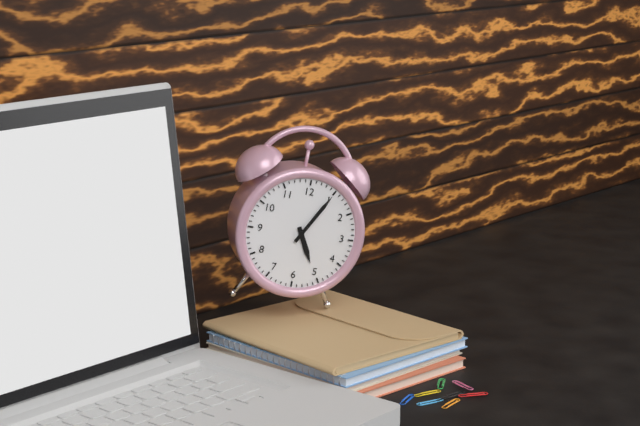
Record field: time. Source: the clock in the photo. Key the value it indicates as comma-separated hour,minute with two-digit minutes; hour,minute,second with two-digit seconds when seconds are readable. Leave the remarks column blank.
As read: 5,05
